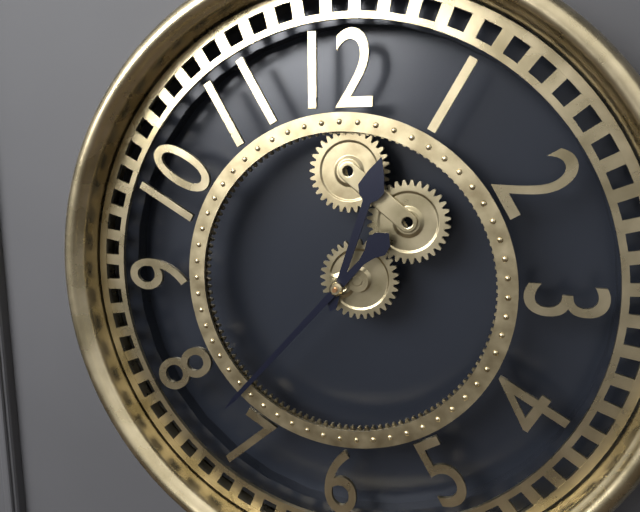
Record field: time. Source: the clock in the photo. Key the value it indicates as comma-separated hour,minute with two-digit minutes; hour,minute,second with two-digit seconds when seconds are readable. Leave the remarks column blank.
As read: 12,37
